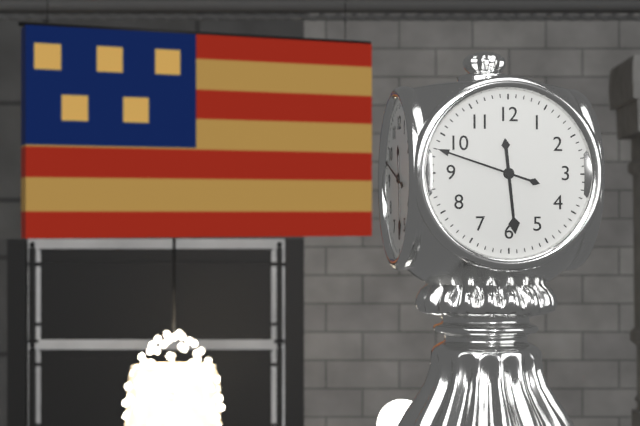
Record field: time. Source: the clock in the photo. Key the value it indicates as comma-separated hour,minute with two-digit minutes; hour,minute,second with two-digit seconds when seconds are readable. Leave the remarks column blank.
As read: 5,48
